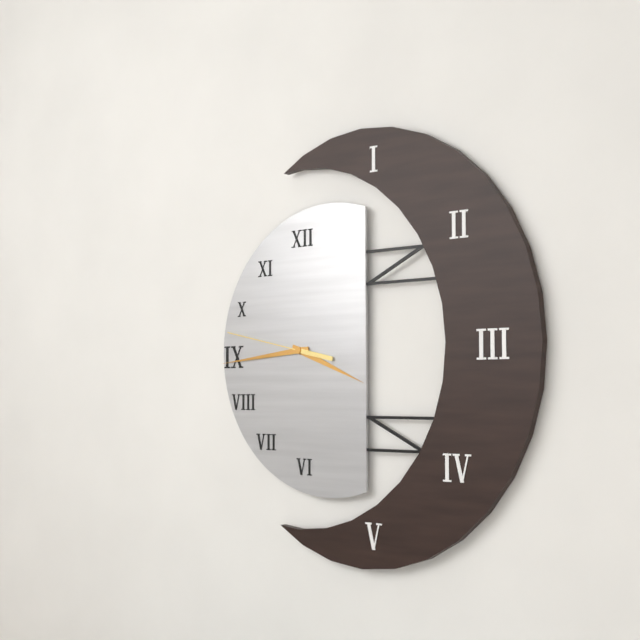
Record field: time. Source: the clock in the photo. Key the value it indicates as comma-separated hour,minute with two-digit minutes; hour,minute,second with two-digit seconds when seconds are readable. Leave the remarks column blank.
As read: 3,44,47
